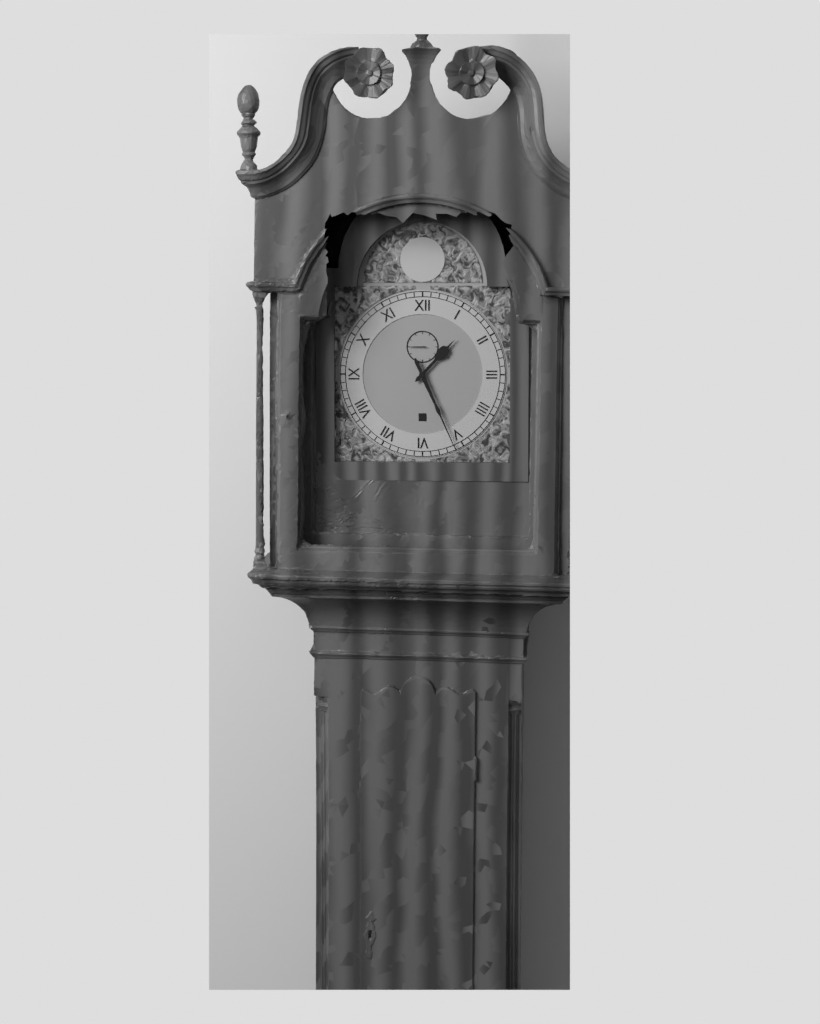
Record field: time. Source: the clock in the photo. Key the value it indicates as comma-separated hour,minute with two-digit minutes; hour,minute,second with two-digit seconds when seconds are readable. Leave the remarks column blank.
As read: 1,26
